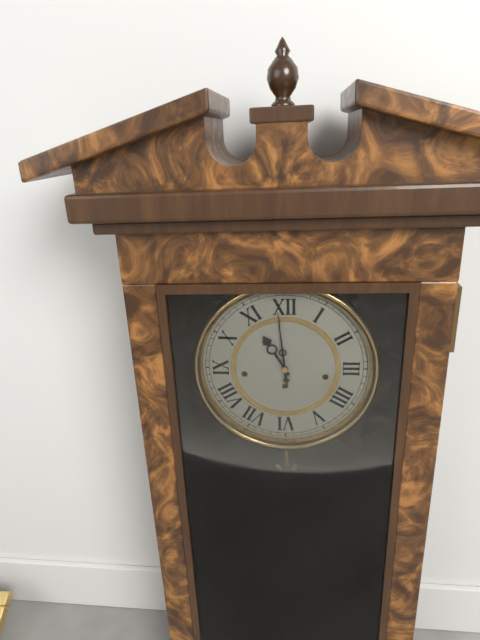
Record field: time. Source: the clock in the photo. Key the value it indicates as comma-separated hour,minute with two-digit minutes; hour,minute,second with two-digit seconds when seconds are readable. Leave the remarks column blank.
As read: 10,59
